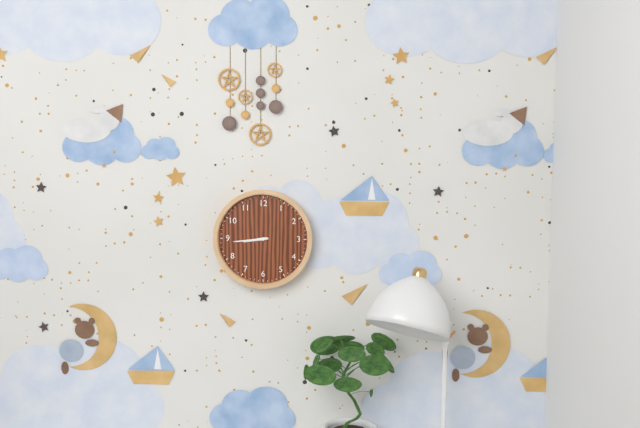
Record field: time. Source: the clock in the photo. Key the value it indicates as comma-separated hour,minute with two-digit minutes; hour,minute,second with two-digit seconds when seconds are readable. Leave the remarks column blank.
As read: 8,44
